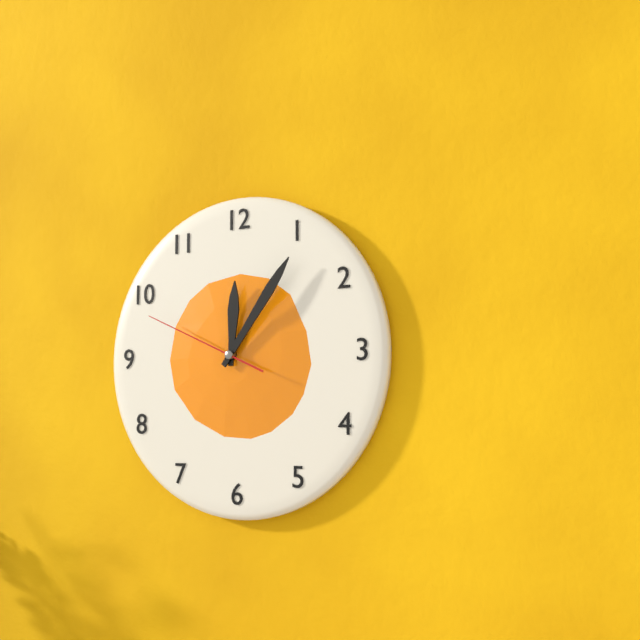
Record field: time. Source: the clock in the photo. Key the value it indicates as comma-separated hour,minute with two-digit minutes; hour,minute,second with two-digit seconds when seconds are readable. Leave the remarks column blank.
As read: 12,06,49
